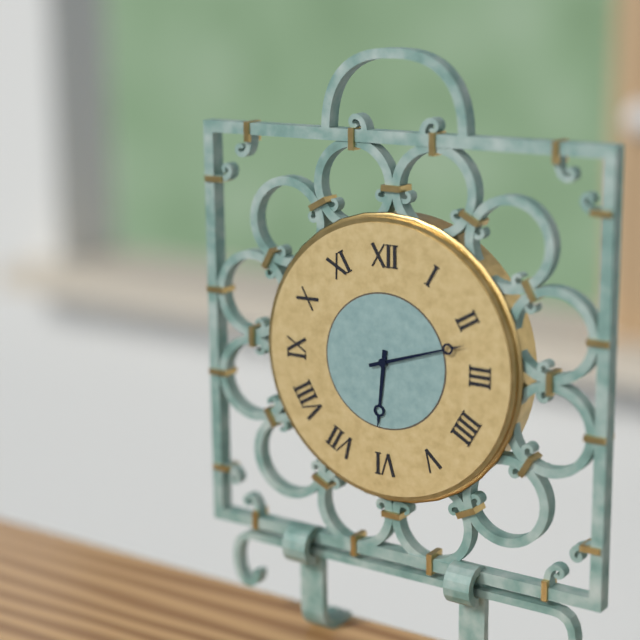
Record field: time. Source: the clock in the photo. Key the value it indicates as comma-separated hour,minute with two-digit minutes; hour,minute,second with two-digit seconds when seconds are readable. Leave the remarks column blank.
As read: 6,12
